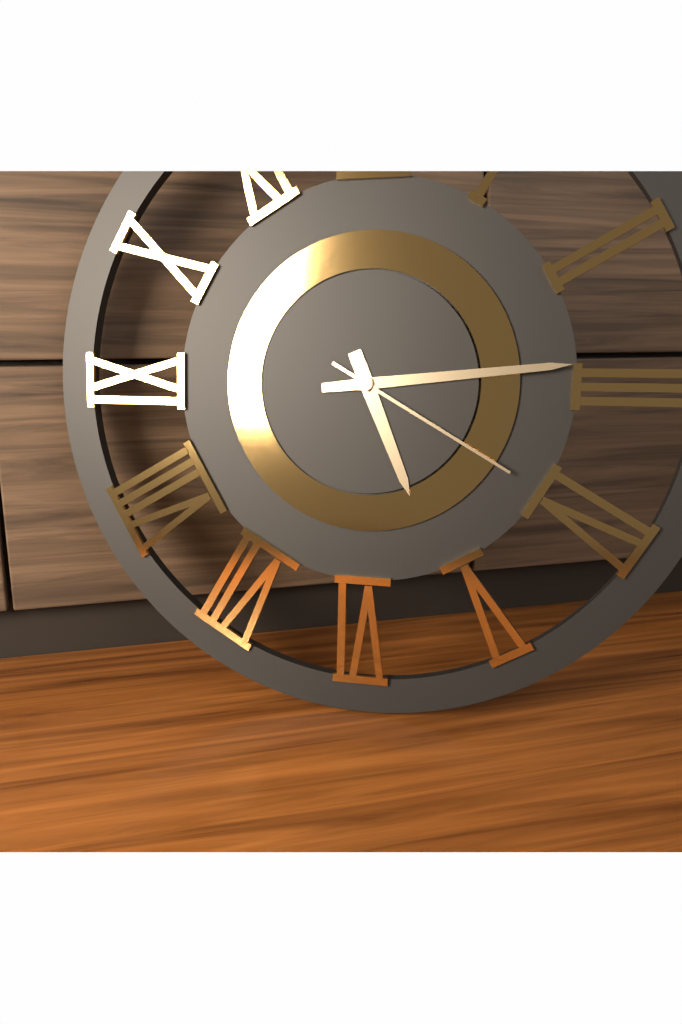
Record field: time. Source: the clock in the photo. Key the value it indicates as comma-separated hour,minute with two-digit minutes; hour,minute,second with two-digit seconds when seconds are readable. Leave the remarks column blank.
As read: 5,14,20
